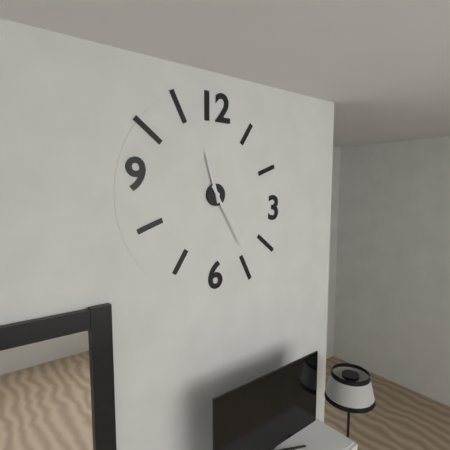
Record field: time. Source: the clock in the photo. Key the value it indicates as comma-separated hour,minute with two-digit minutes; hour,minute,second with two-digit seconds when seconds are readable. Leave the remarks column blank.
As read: 11,25
